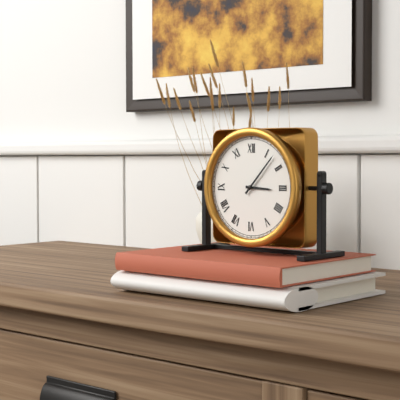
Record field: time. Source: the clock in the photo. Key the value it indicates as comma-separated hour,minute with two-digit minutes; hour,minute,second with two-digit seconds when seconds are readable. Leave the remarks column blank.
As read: 3,07
